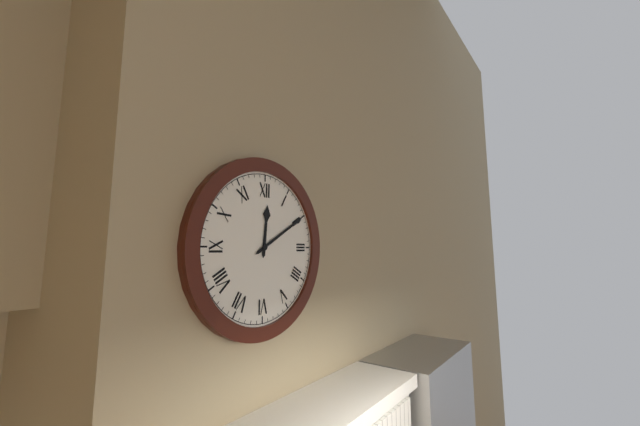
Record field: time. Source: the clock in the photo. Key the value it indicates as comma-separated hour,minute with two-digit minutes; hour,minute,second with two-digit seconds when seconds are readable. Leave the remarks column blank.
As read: 12,10
